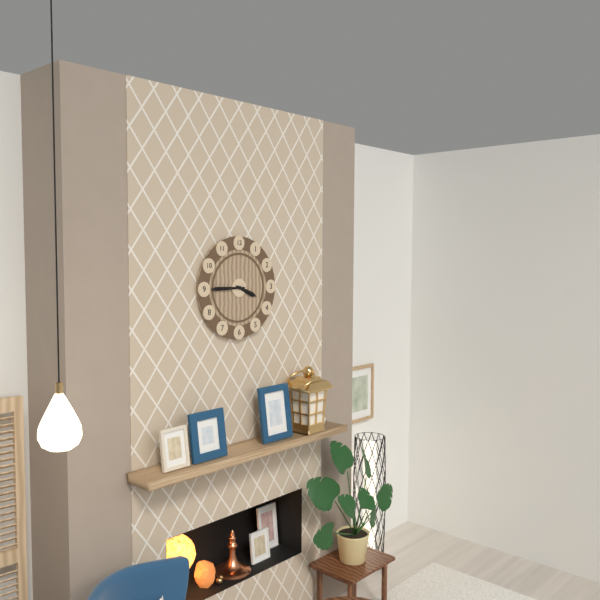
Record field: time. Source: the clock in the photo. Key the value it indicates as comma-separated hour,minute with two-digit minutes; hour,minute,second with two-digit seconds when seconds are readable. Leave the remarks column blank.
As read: 3,45
